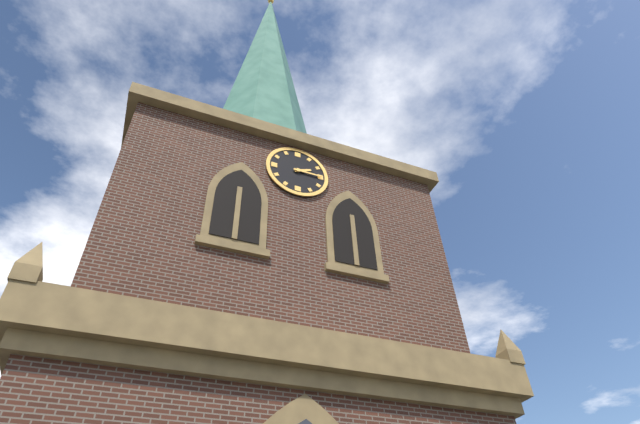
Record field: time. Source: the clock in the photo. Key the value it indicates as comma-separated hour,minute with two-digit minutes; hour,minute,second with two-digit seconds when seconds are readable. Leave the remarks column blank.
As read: 2,15
